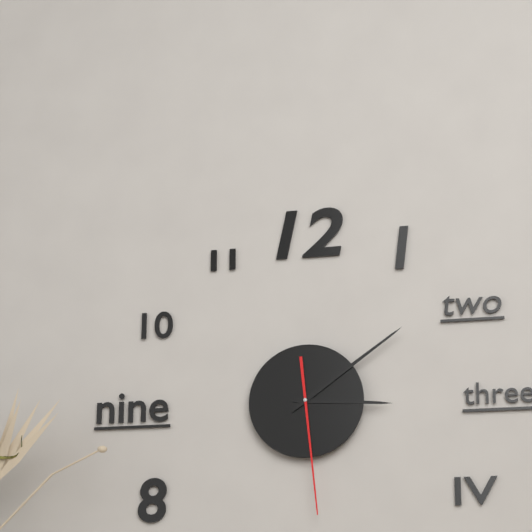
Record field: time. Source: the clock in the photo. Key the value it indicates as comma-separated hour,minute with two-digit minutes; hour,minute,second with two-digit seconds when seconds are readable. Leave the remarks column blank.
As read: 3,09,29
